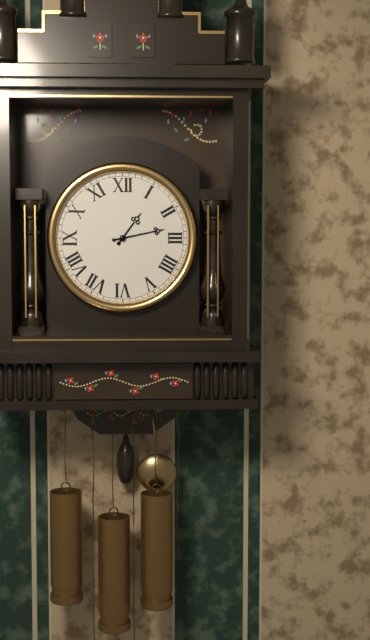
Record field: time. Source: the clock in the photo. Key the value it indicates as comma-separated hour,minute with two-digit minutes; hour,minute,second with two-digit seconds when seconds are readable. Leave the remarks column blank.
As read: 1,13
